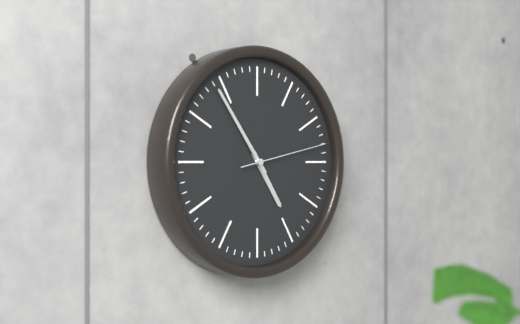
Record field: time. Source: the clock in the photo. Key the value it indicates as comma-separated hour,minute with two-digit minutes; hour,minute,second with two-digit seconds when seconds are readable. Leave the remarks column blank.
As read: 4,54,13
